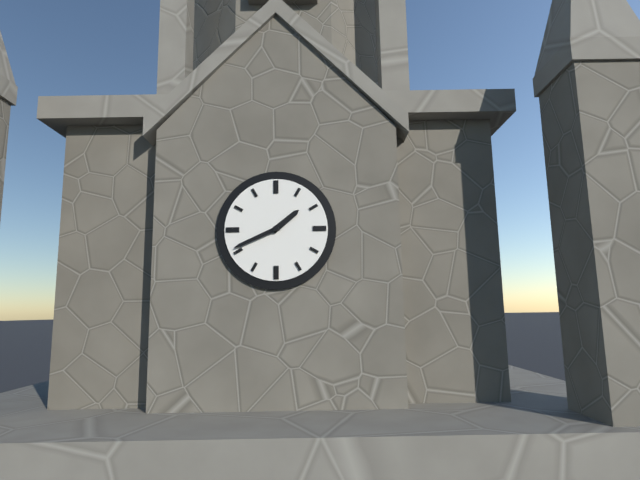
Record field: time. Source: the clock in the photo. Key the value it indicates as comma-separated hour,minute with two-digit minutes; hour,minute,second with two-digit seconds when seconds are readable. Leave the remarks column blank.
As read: 1,41
